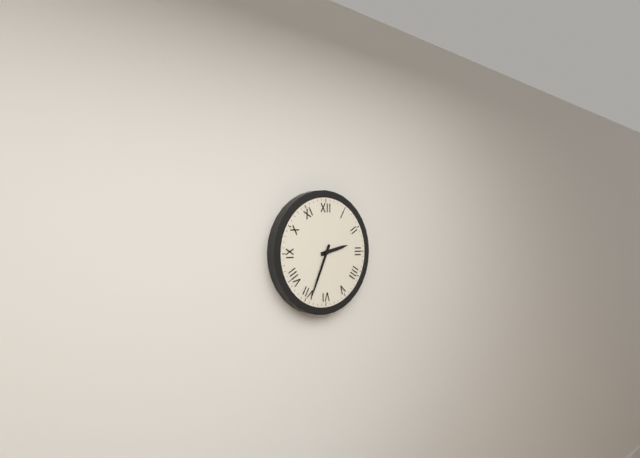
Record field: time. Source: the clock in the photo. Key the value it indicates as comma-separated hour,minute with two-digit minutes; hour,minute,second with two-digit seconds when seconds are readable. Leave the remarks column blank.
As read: 2,34
